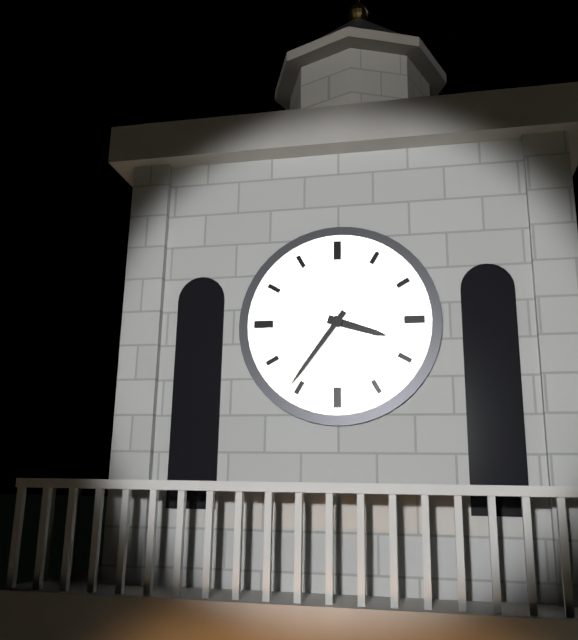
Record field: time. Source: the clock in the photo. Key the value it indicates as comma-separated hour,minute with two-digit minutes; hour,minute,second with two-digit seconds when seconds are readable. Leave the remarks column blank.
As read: 3,36
